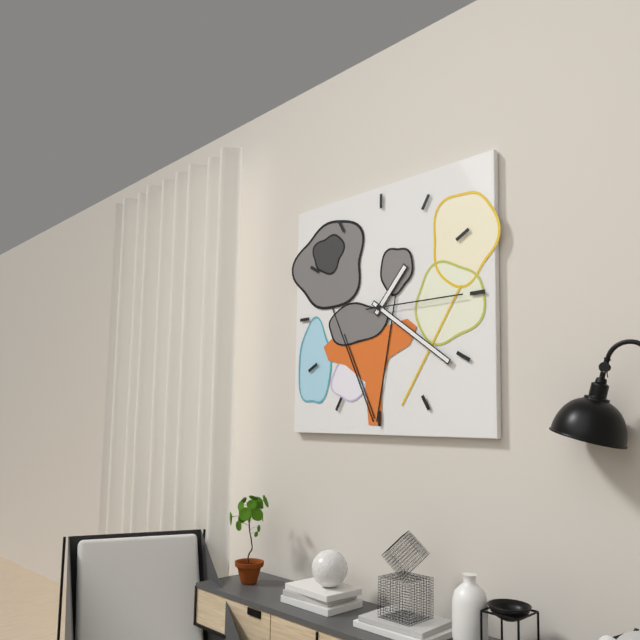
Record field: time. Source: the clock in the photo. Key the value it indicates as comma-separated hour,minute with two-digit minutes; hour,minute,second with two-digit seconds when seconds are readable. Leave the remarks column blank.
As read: 1,21,15
